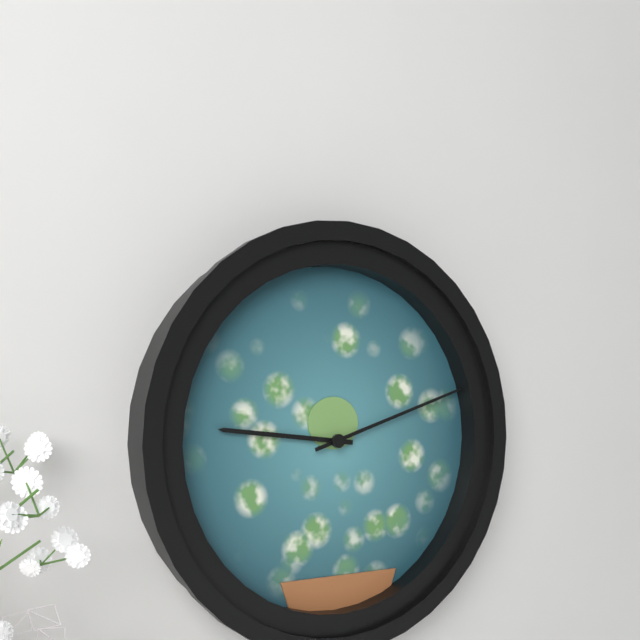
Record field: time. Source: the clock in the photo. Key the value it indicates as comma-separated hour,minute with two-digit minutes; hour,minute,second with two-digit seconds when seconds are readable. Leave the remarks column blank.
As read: 9,12
